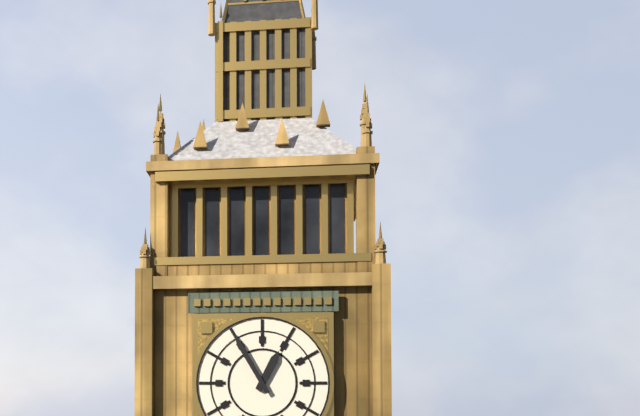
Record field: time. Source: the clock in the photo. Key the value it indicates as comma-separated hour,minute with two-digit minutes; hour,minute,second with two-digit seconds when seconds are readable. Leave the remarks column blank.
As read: 12,55
